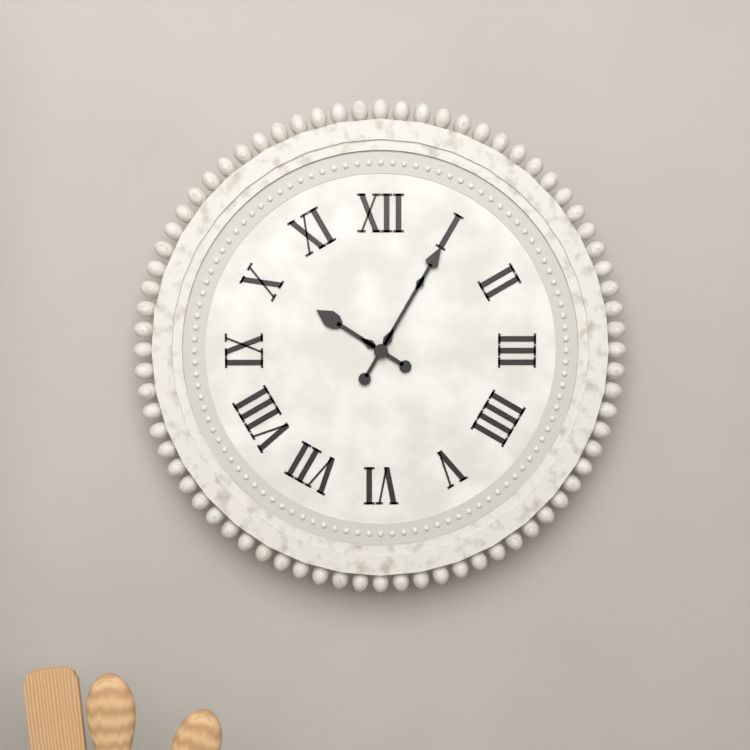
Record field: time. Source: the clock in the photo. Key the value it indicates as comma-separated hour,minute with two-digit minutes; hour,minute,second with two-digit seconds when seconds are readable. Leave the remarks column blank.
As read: 10,05
